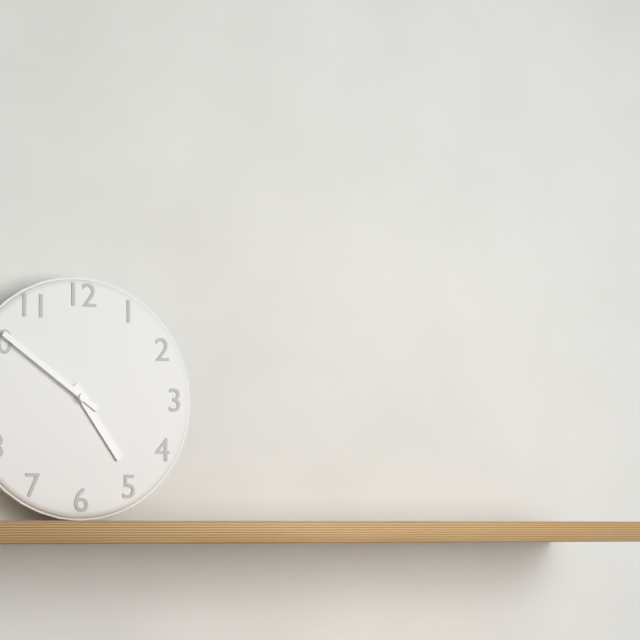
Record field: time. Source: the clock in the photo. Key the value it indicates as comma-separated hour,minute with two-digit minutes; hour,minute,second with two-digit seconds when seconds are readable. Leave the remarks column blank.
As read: 4,51
